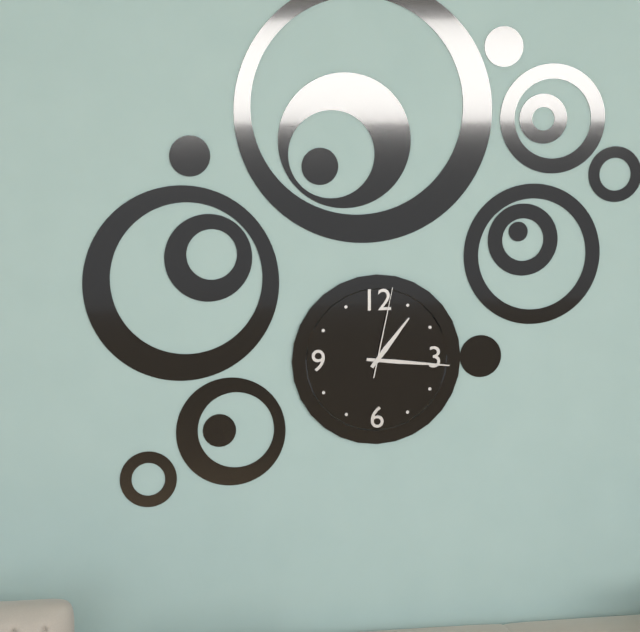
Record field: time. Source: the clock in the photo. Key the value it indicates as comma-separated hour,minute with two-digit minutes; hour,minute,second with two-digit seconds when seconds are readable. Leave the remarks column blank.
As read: 1,16,02
